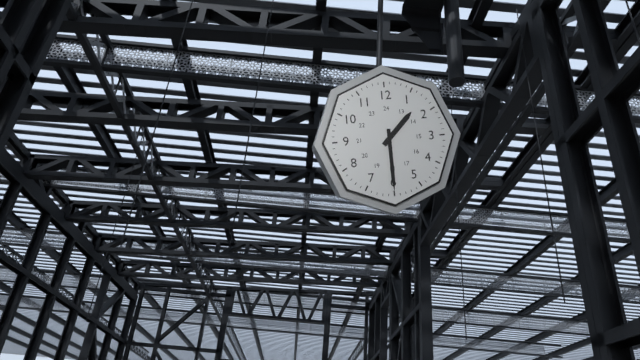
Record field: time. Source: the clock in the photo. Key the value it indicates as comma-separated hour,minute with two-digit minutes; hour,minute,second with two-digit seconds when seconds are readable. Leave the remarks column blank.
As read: 1,30
